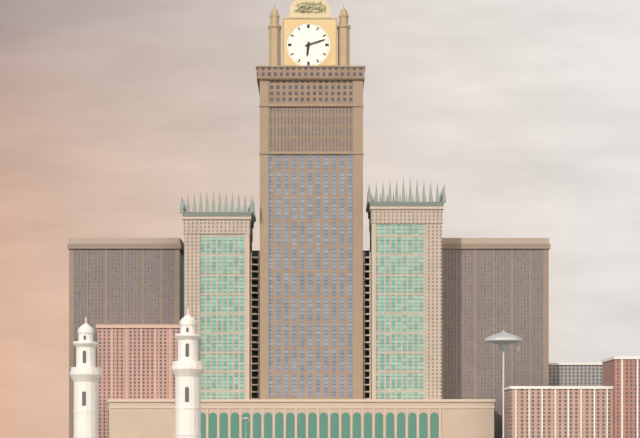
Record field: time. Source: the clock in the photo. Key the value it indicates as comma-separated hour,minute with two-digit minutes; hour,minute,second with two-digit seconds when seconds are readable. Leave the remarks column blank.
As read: 6,12
